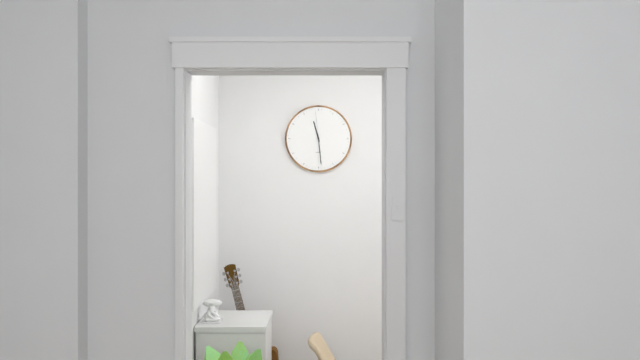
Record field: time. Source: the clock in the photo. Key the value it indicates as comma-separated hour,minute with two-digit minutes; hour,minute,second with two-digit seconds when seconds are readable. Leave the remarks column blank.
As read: 11,29
